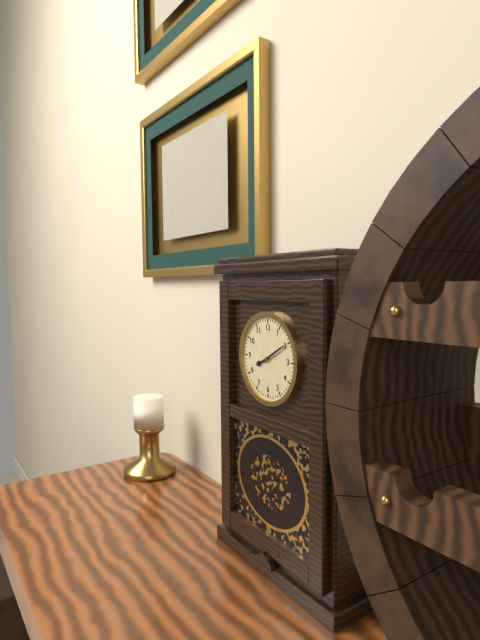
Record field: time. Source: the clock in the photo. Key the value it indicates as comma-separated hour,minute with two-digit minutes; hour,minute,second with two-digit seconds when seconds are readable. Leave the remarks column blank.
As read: 8,10
